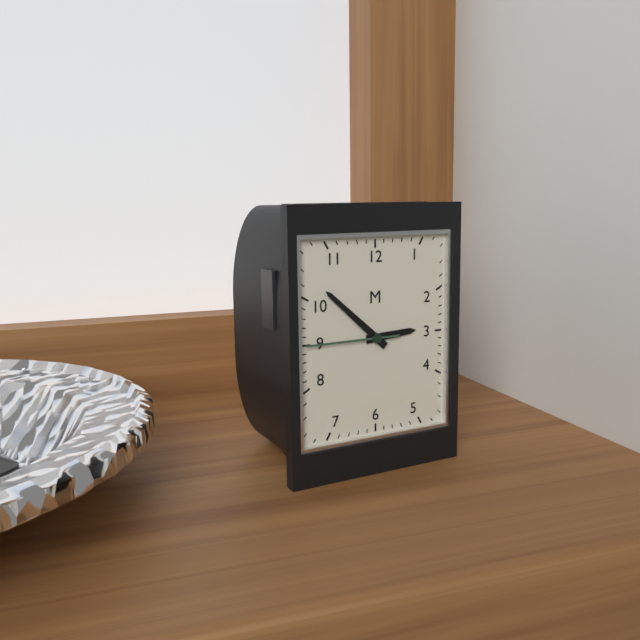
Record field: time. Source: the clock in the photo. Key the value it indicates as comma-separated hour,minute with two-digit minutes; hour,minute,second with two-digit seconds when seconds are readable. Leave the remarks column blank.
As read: 2,52,45
